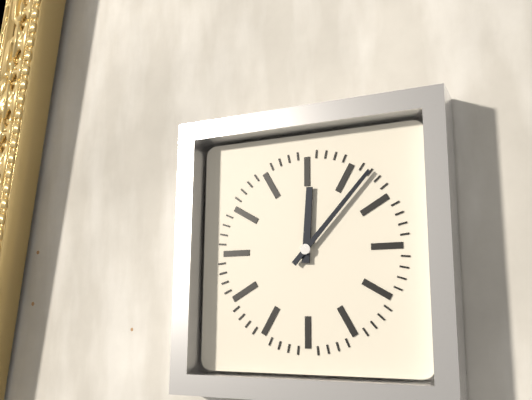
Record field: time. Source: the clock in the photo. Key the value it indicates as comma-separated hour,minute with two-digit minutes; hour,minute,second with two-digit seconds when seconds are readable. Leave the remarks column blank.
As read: 12,07
